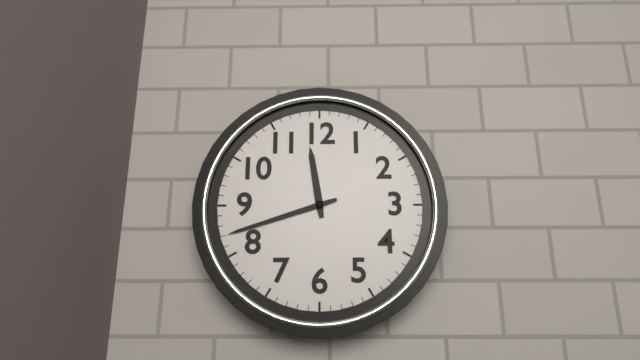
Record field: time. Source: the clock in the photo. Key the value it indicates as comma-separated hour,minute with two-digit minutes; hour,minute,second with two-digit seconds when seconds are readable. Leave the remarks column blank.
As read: 11,42
